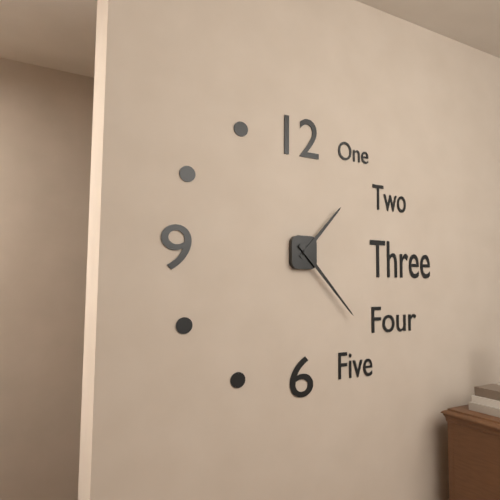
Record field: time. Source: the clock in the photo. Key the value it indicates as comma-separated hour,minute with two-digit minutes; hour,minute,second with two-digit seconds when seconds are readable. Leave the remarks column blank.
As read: 1,23
